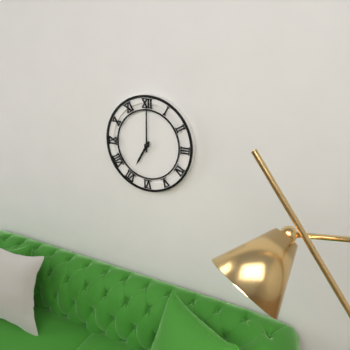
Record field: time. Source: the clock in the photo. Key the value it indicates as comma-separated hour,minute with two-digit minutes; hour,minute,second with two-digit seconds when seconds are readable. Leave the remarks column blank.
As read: 7,00
